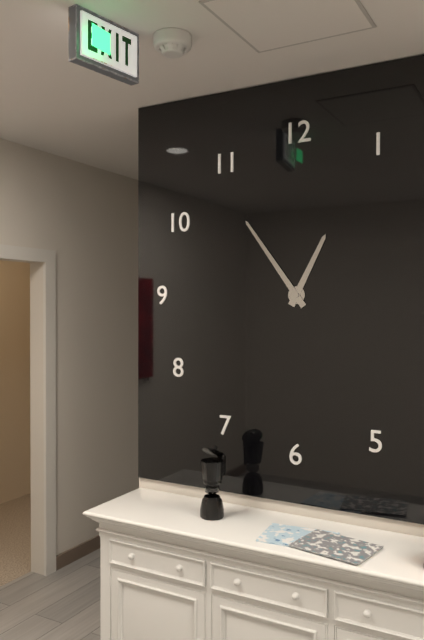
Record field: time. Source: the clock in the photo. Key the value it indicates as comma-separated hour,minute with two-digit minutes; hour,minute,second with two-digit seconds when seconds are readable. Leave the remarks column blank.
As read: 12,54
